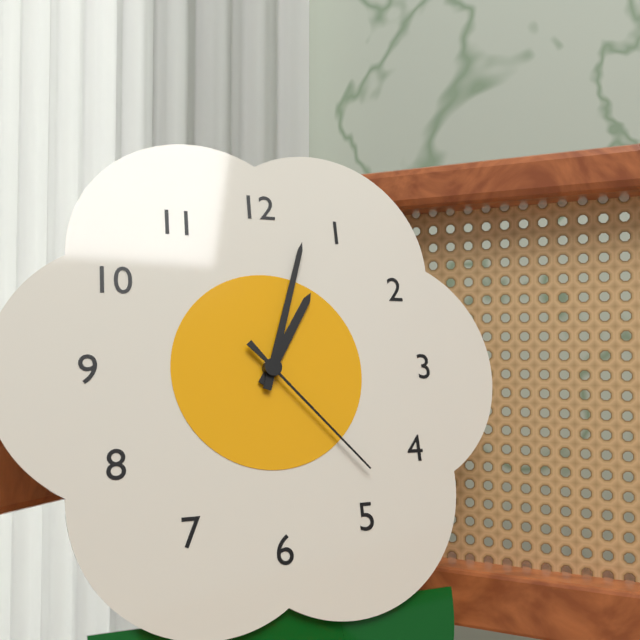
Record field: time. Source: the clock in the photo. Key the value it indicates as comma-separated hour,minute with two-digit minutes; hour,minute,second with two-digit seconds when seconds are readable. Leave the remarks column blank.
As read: 1,03,23
